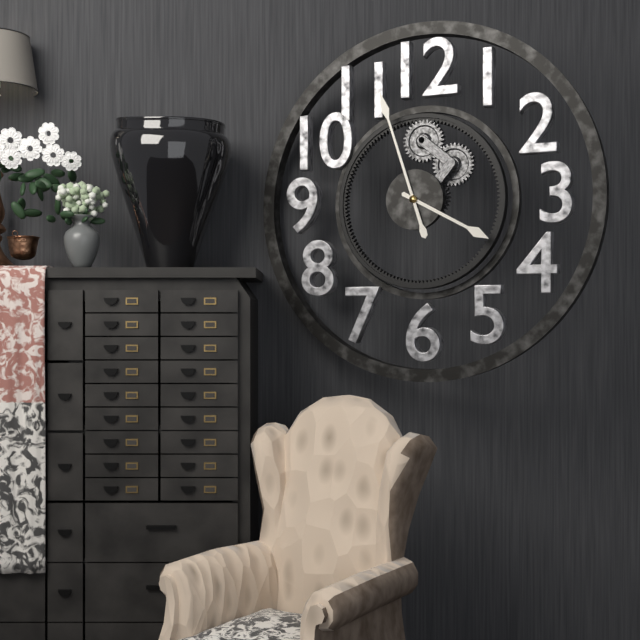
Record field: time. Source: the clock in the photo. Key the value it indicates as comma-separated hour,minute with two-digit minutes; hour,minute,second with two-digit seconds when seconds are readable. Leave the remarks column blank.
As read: 3,57
